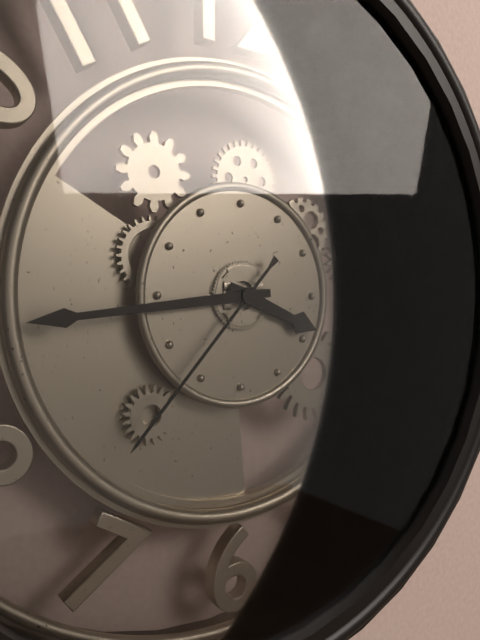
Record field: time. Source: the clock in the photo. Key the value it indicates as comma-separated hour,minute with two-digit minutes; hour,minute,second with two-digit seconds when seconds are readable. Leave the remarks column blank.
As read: 3,44,37
